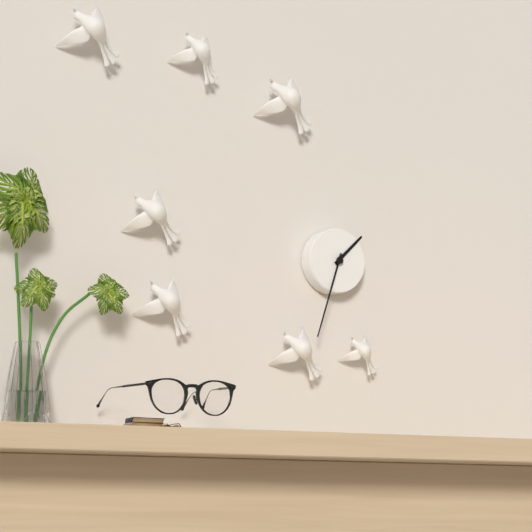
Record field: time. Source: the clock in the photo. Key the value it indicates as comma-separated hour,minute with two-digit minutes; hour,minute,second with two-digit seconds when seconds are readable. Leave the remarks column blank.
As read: 1,33
